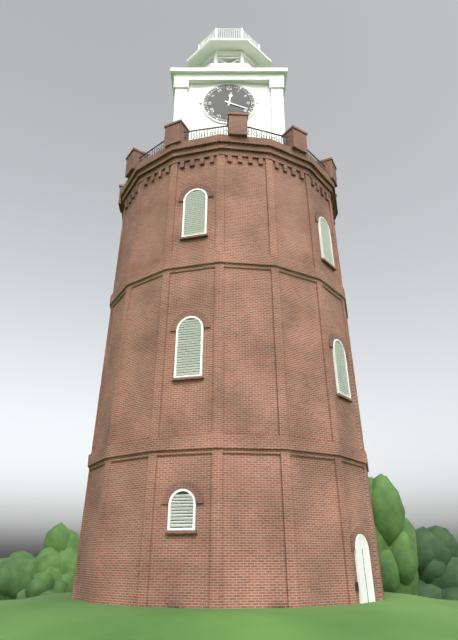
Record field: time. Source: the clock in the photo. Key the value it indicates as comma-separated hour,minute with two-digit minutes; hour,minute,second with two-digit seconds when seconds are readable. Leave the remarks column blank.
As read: 12,19
